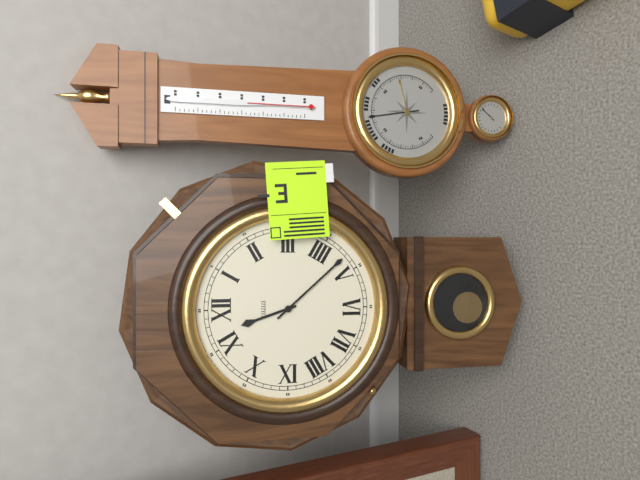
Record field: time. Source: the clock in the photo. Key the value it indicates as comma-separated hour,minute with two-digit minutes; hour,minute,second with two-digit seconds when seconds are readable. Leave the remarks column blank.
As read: 11,23
